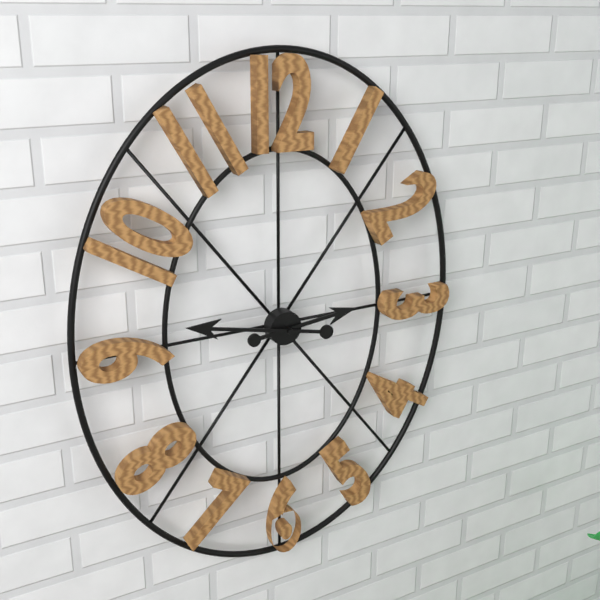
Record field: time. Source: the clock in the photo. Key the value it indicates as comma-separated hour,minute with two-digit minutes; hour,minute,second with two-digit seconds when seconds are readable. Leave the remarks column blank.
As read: 2,47
